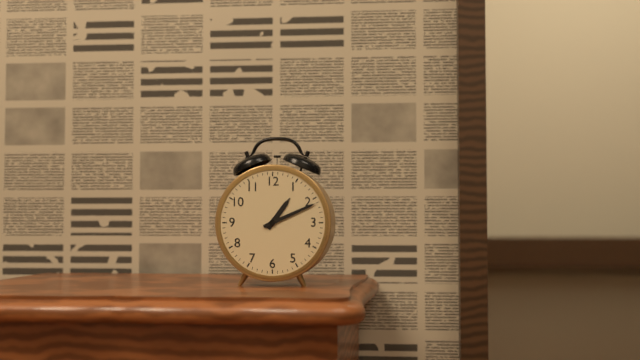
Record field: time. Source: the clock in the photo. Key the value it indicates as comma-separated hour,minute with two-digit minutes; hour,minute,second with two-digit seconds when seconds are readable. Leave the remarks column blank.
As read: 1,11
